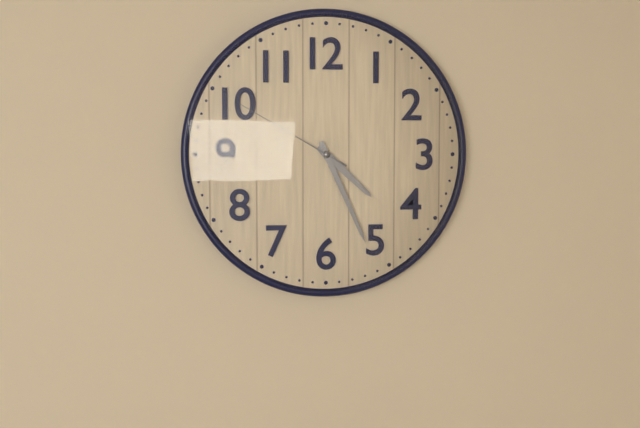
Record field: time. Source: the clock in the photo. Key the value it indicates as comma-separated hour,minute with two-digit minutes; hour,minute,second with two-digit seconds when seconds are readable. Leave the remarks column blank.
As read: 4,26,50
